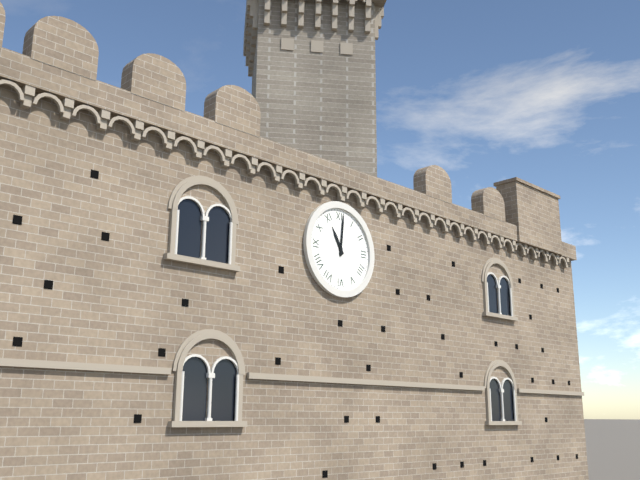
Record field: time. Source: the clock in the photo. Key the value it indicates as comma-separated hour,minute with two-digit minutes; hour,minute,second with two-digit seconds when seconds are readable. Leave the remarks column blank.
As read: 11,01
